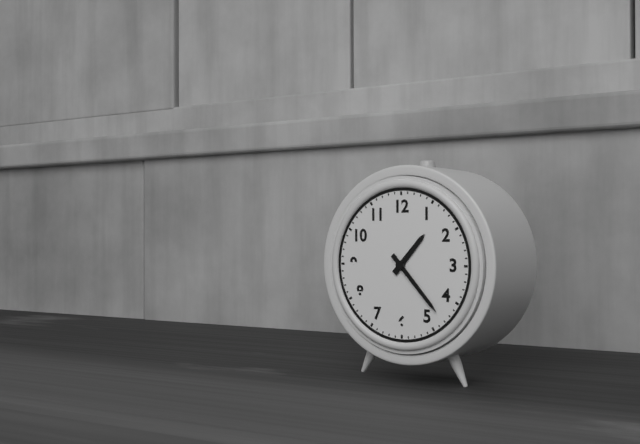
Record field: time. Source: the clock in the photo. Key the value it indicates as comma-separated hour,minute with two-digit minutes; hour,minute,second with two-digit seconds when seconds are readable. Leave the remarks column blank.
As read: 1,23
